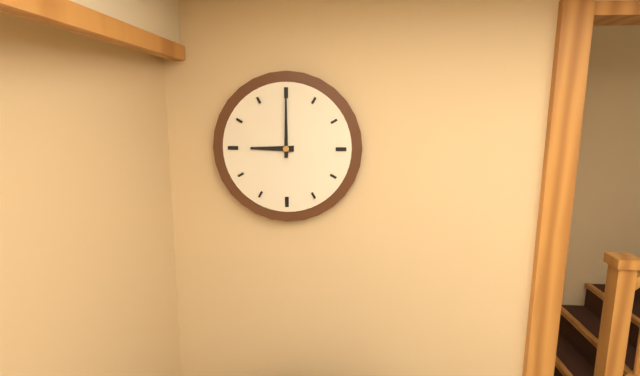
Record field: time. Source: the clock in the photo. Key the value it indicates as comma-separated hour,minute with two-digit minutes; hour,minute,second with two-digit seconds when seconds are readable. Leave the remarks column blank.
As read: 9,00
